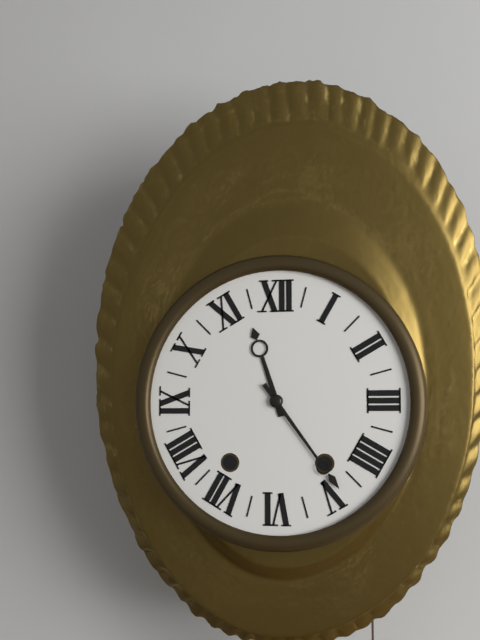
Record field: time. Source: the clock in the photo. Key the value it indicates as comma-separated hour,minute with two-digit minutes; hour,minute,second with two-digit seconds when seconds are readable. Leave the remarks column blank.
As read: 11,24
